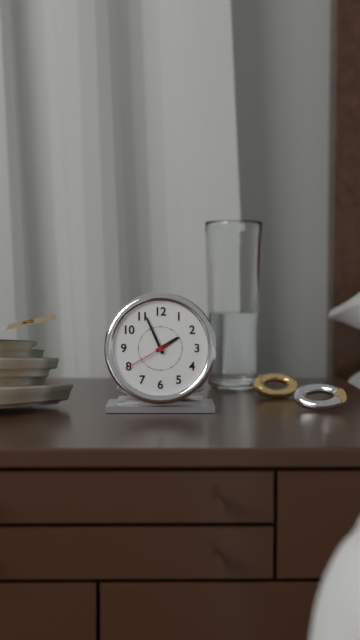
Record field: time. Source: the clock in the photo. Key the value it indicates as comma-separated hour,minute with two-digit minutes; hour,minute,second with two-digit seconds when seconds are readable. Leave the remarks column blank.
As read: 1,56,40
